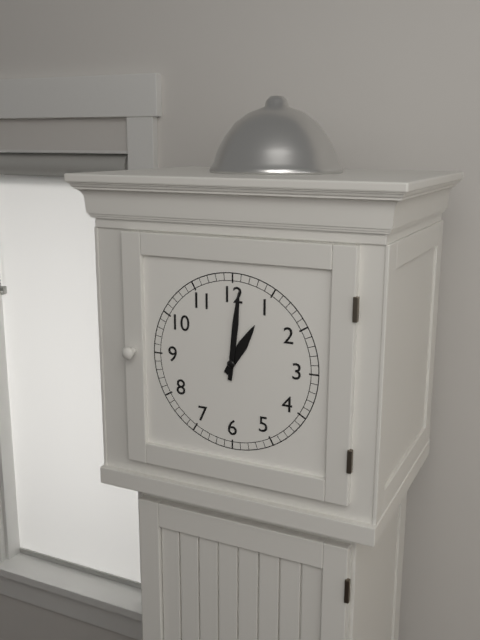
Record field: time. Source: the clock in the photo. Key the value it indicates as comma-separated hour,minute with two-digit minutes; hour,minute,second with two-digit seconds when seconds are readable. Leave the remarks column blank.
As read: 1,01
